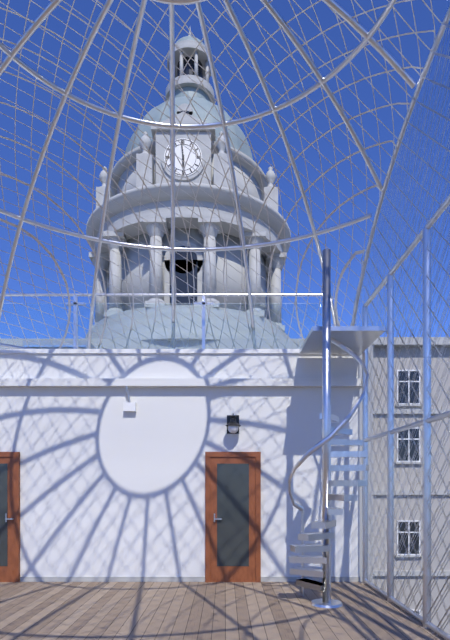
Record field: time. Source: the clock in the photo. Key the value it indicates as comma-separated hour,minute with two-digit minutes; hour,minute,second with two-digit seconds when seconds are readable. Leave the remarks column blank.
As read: 5,59
